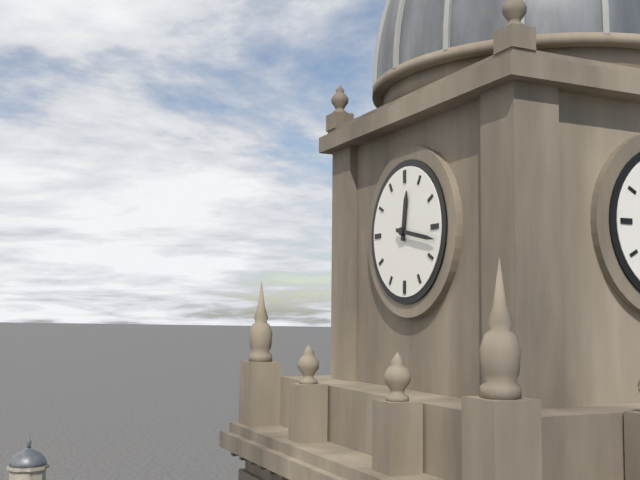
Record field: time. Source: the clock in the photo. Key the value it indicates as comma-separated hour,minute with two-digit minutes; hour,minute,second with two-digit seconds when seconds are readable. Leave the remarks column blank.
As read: 12,17
